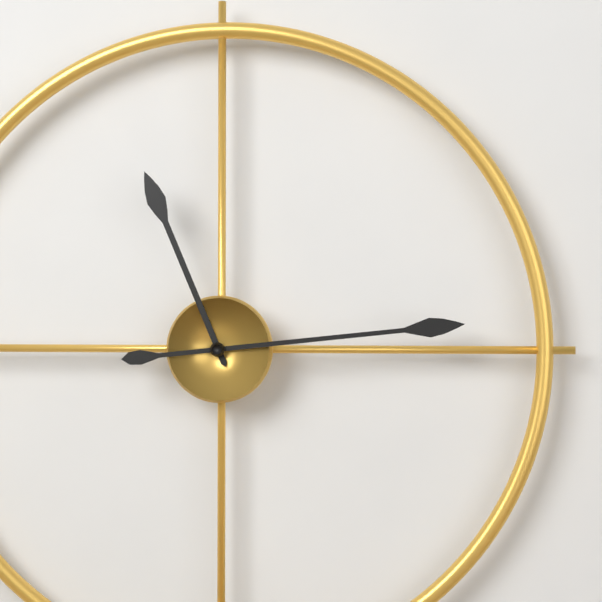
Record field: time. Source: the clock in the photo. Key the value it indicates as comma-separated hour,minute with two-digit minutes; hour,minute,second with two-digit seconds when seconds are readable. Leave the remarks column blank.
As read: 11,14
